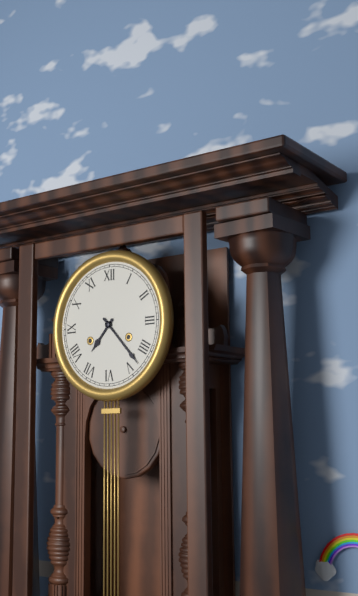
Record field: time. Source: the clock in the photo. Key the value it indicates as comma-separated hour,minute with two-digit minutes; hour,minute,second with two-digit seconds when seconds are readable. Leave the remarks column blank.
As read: 7,23
